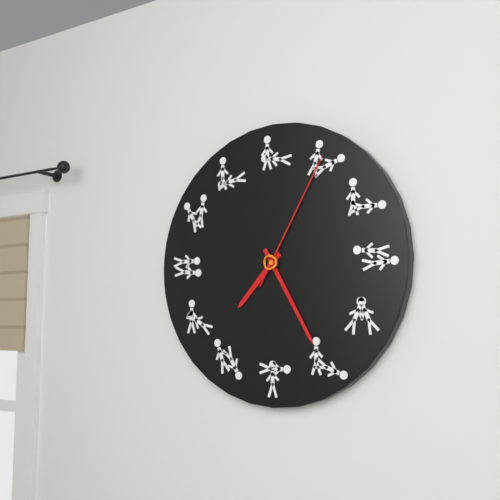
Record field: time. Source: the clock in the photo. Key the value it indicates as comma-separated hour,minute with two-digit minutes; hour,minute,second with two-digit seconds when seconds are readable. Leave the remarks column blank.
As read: 7,25,05
